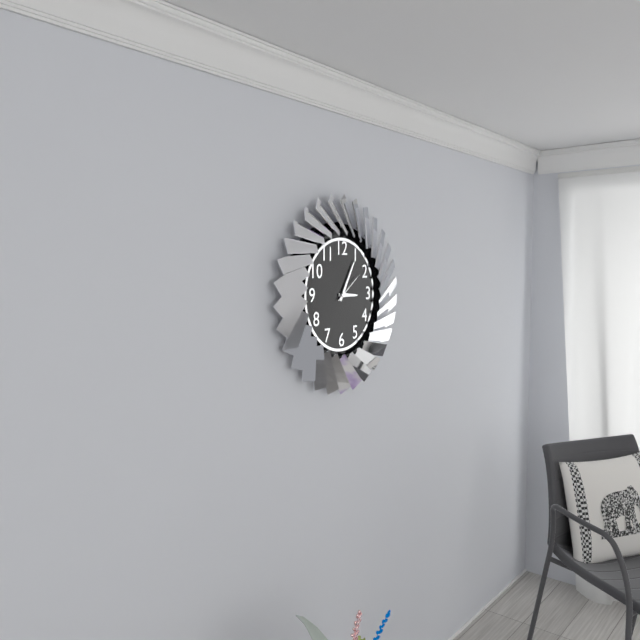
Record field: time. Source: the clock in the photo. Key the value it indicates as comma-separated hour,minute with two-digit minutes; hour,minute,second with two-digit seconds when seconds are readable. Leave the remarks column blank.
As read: 3,05
